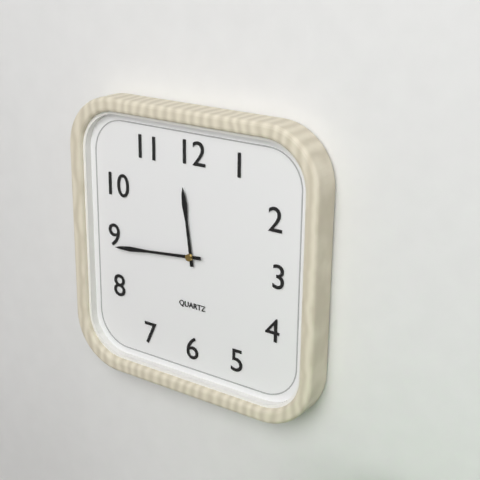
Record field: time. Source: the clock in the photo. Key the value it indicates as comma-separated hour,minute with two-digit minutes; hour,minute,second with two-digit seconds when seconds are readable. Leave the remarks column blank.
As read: 11,44
